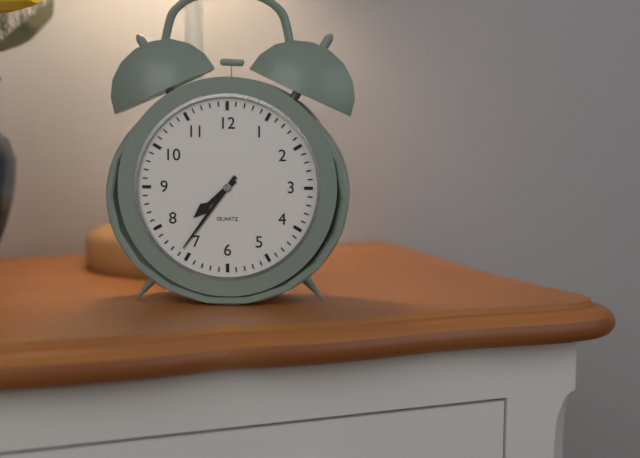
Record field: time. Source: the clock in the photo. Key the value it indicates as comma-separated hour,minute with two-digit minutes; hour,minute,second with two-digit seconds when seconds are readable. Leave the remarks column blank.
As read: 7,36
